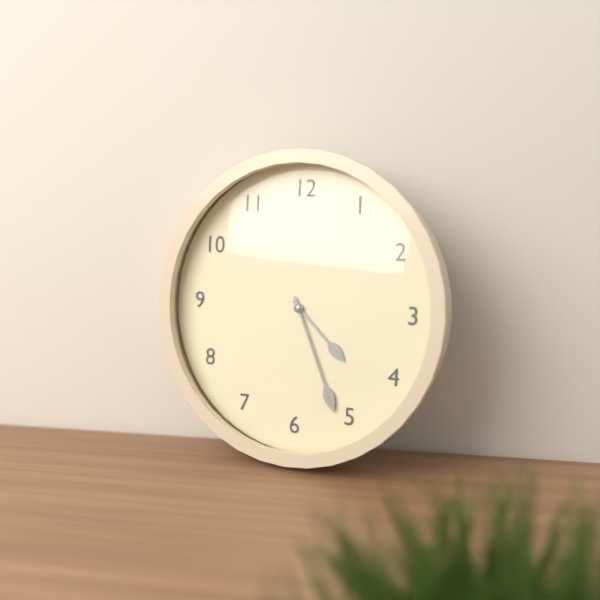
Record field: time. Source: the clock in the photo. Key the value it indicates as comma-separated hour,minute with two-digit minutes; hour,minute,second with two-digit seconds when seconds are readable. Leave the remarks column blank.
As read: 4,26
